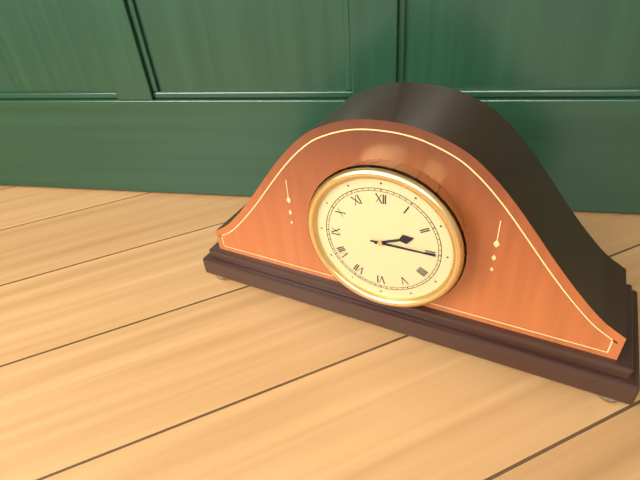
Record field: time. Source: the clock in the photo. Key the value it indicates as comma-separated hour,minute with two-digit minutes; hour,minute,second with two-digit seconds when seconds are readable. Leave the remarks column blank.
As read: 2,15
